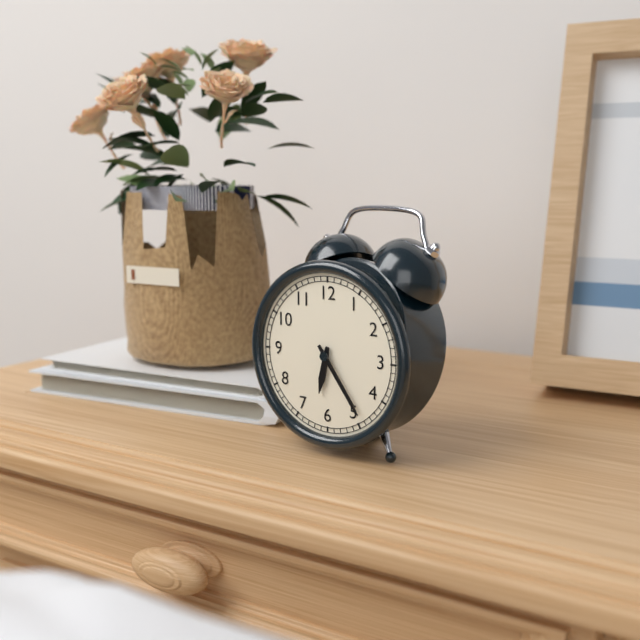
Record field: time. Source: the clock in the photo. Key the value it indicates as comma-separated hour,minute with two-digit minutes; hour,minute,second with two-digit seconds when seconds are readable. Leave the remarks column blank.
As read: 6,24
